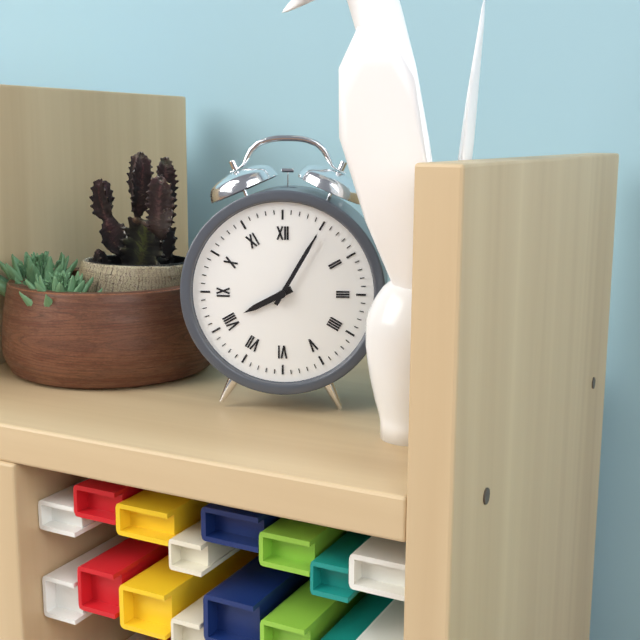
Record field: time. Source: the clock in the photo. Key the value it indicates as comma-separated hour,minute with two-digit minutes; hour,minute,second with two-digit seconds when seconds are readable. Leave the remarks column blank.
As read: 8,05
